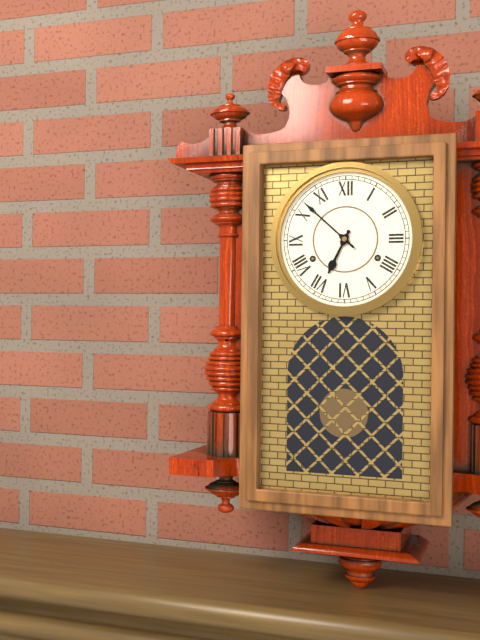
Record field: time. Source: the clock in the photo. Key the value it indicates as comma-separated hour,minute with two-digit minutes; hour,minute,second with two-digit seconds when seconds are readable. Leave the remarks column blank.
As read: 6,52
